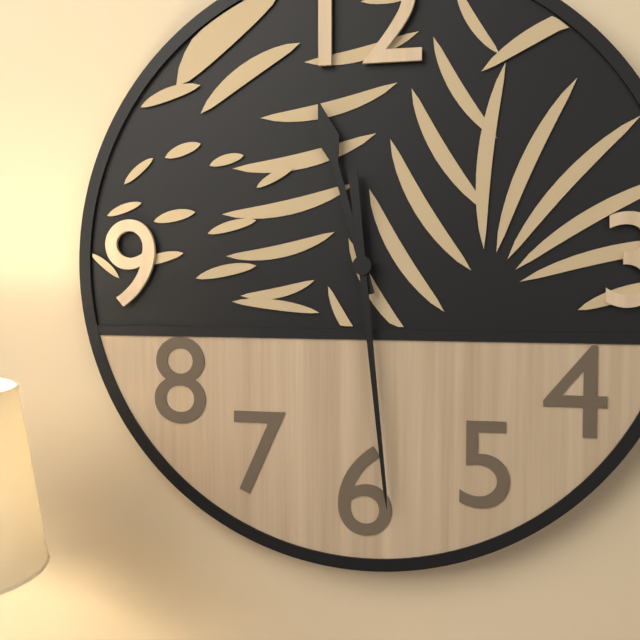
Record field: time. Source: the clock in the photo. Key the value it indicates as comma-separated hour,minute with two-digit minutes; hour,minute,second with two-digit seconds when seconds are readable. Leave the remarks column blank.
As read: 11,29
